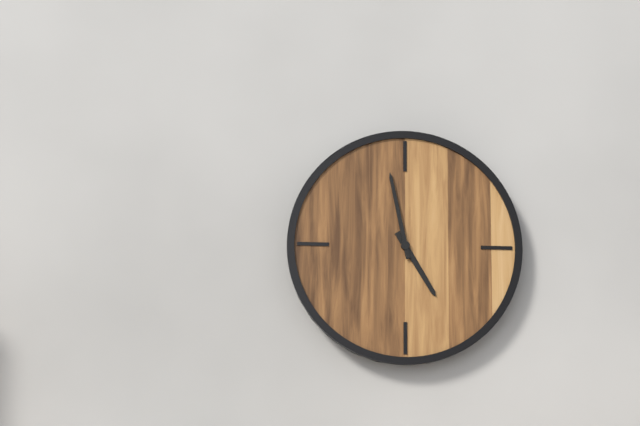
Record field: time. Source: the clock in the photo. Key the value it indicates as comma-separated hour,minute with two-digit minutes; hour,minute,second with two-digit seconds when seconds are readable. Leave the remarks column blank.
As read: 4,58
